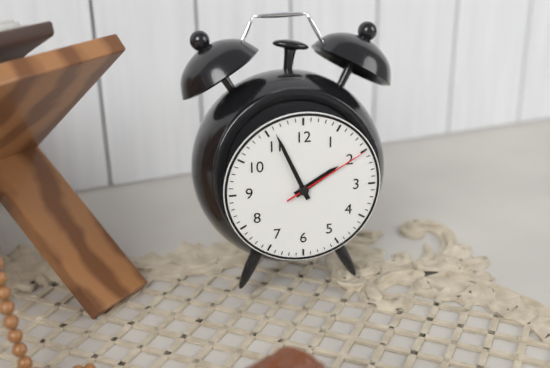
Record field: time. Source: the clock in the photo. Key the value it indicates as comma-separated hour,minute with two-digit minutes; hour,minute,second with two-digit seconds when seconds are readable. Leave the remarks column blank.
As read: 1,56,10
